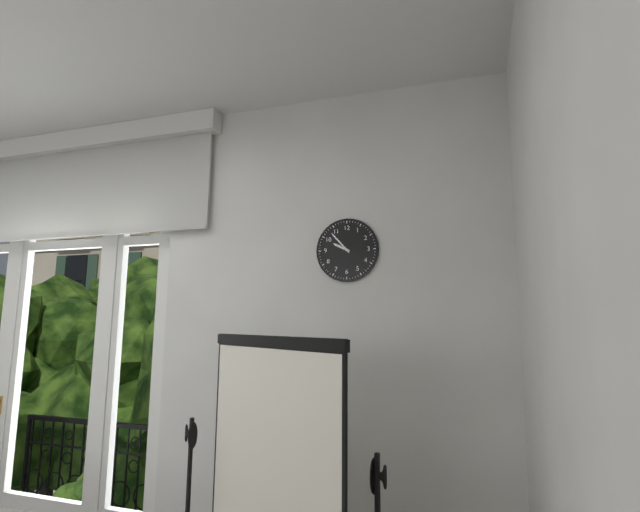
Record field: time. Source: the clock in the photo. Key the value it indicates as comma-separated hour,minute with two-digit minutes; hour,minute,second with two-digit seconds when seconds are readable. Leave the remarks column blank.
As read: 9,53
